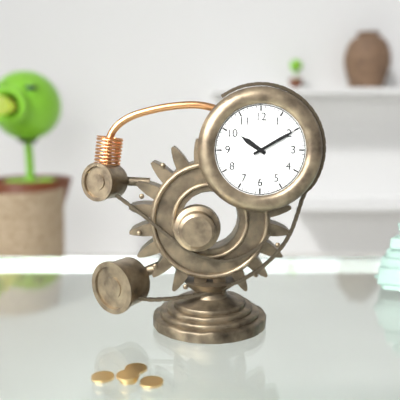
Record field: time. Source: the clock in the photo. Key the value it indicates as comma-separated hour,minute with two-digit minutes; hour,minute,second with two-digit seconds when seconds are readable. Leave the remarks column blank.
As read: 10,10
